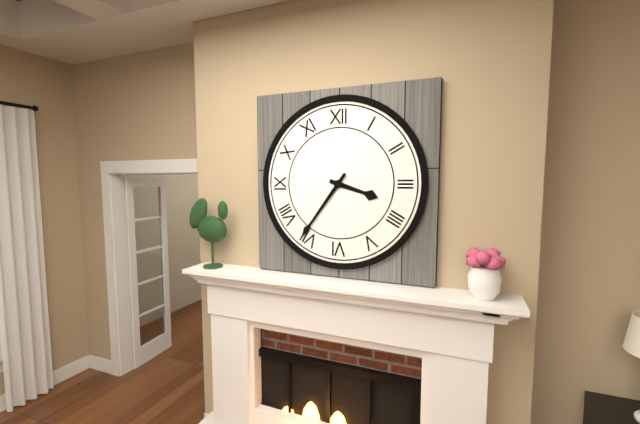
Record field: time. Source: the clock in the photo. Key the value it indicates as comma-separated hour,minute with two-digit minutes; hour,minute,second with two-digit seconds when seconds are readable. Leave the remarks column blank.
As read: 3,36
